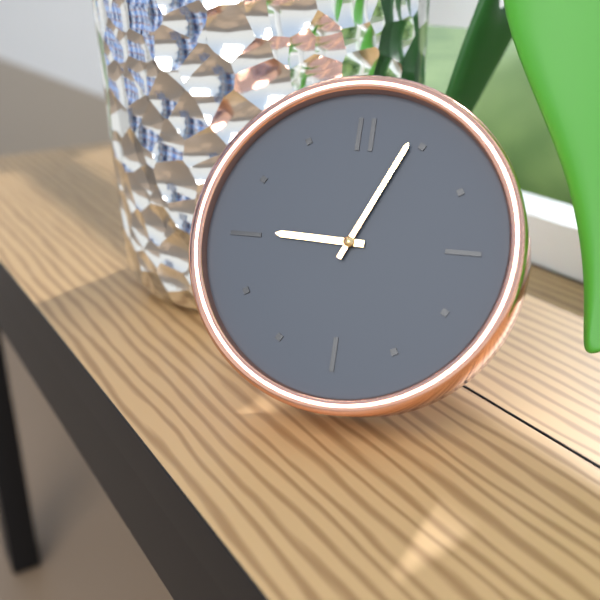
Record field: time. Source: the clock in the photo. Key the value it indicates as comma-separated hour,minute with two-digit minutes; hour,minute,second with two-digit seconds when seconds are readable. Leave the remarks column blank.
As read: 9,04
